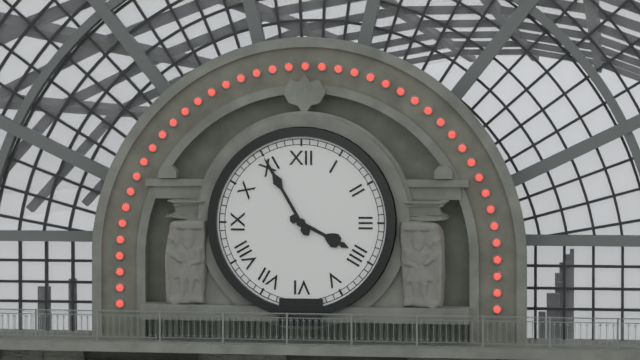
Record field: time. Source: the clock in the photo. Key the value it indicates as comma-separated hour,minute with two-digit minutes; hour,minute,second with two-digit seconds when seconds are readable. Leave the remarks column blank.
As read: 3,55
